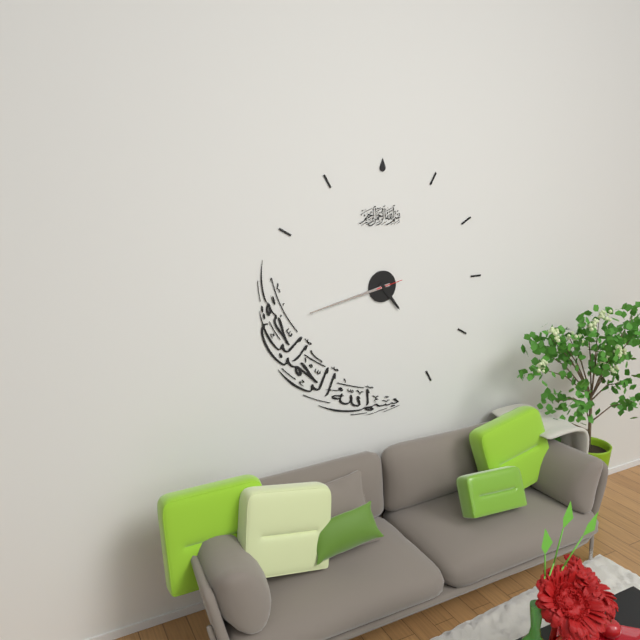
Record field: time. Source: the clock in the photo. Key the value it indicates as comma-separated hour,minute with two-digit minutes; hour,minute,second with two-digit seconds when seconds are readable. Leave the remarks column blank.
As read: 4,43
